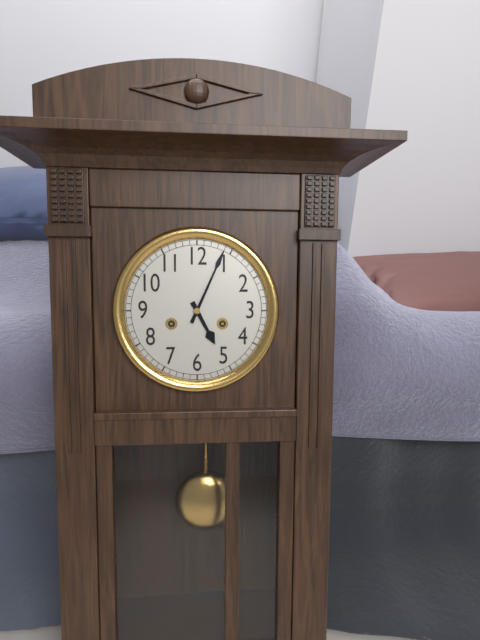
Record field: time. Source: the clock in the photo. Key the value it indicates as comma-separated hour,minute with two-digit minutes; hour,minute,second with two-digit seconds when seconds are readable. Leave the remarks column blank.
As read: 5,04
